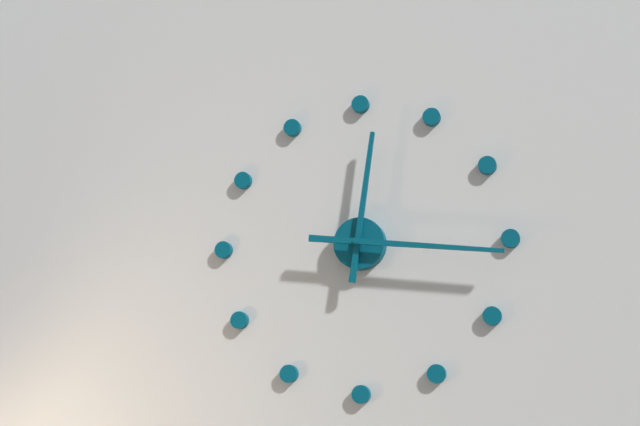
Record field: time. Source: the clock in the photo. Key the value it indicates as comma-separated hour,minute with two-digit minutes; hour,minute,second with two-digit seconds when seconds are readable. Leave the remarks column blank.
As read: 12,16
